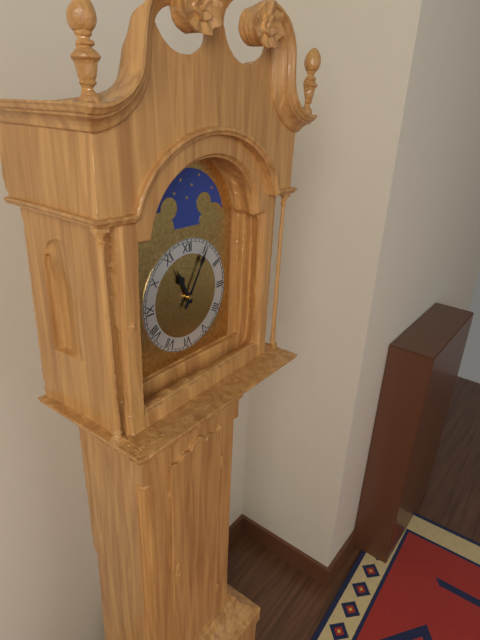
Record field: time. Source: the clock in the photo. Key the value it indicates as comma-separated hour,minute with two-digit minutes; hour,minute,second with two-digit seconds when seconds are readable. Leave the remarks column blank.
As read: 11,05
